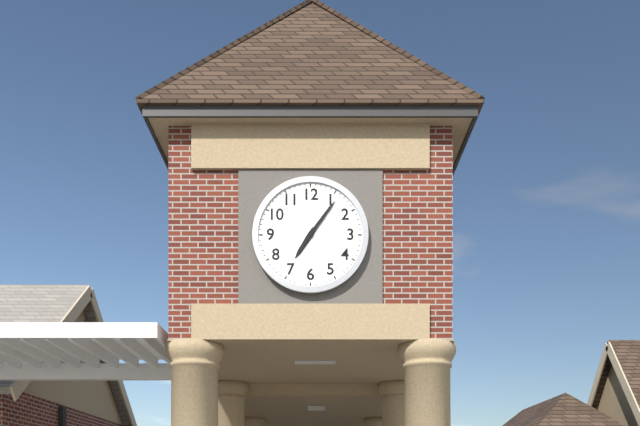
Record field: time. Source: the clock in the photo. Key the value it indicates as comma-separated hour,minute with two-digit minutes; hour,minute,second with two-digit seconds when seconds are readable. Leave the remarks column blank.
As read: 7,06
